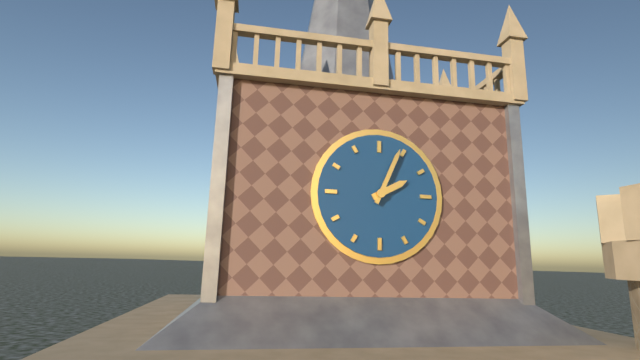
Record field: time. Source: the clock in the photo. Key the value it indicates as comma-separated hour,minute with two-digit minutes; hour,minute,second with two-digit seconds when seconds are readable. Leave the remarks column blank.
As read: 2,04
